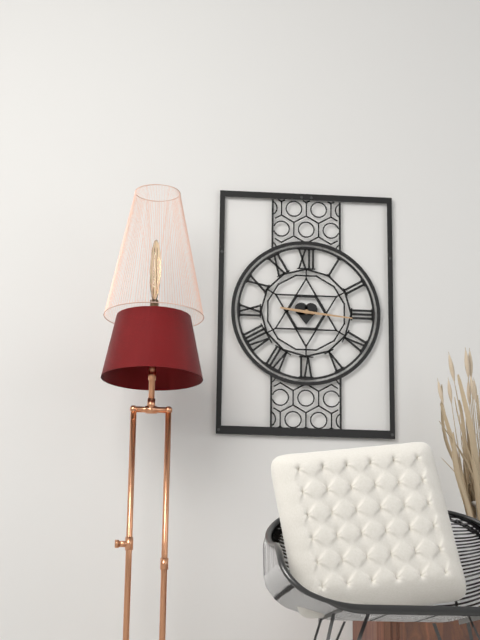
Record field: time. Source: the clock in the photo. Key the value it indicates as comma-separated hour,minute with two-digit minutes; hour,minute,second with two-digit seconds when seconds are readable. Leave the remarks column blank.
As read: 9,16
